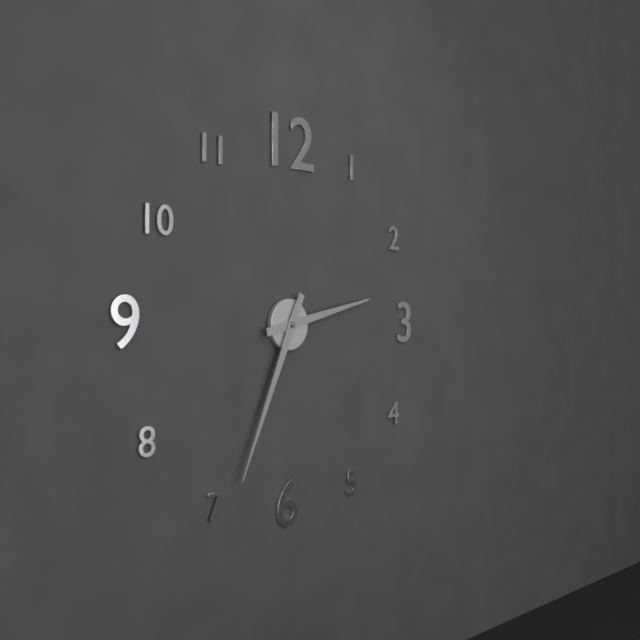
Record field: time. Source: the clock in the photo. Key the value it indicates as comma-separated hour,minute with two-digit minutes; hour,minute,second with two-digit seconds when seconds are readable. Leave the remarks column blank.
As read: 2,34
